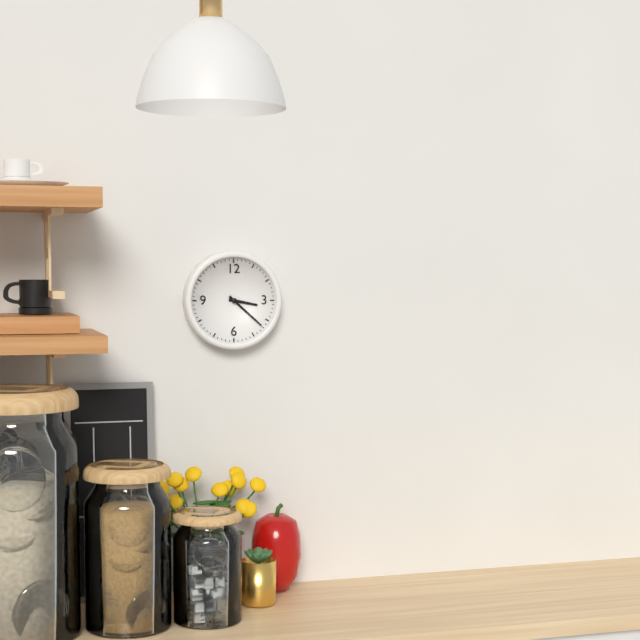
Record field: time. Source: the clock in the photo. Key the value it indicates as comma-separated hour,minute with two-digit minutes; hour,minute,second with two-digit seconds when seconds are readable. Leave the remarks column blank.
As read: 3,22
